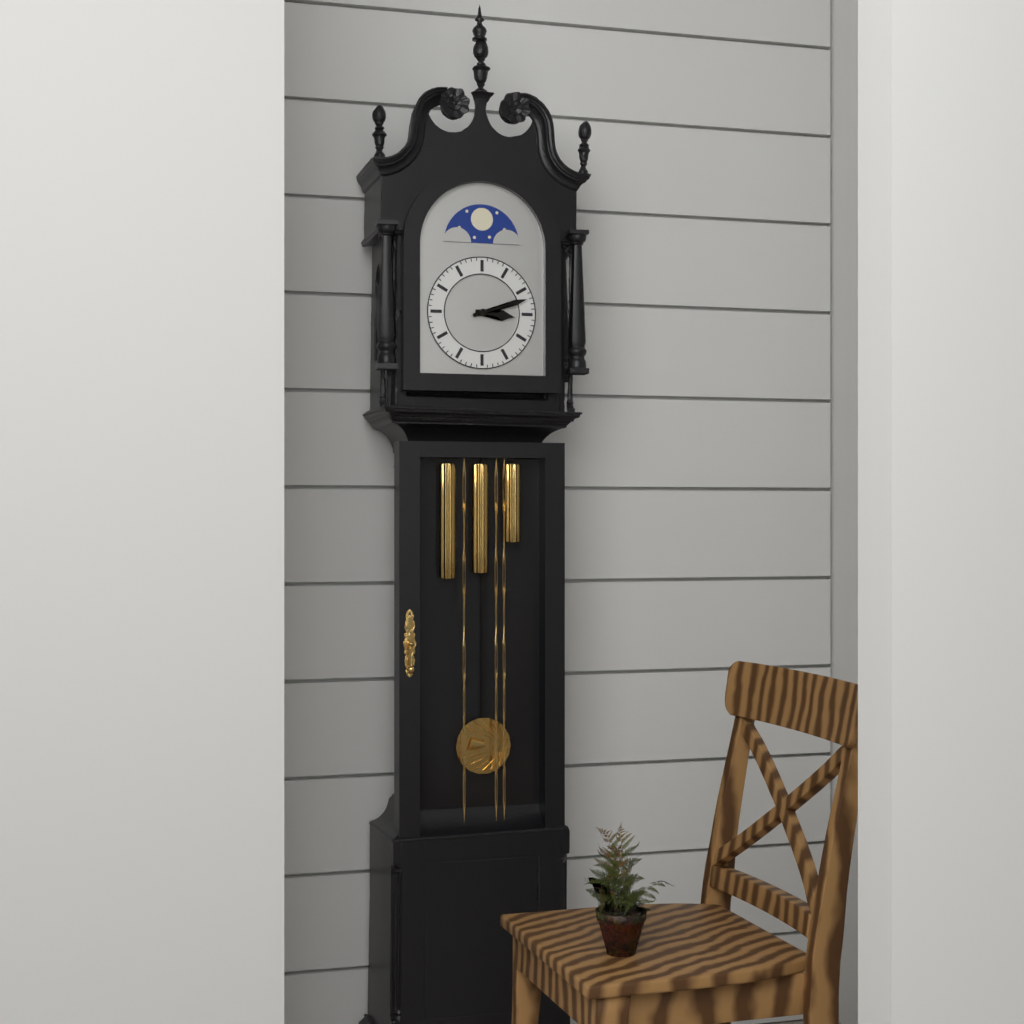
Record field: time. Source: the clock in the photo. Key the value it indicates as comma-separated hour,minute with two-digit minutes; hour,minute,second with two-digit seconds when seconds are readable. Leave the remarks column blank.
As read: 3,12
